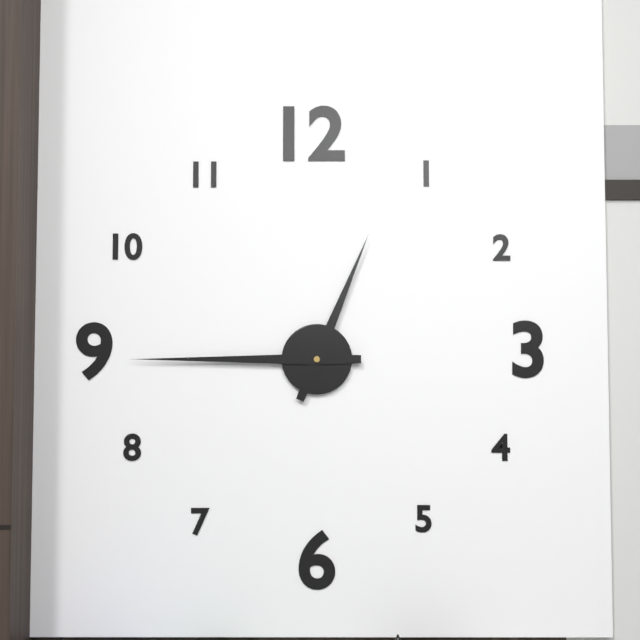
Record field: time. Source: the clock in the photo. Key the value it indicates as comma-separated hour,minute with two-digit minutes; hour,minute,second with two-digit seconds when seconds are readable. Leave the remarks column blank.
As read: 12,45
